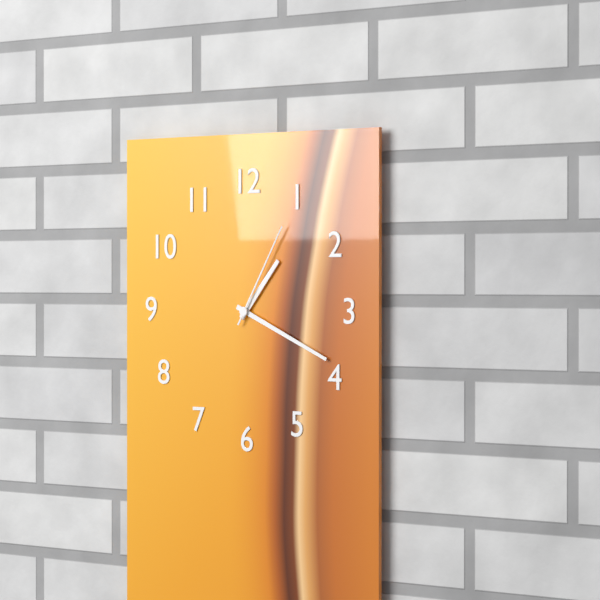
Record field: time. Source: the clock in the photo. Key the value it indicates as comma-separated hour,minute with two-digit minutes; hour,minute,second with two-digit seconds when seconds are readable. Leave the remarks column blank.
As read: 1,19,05
